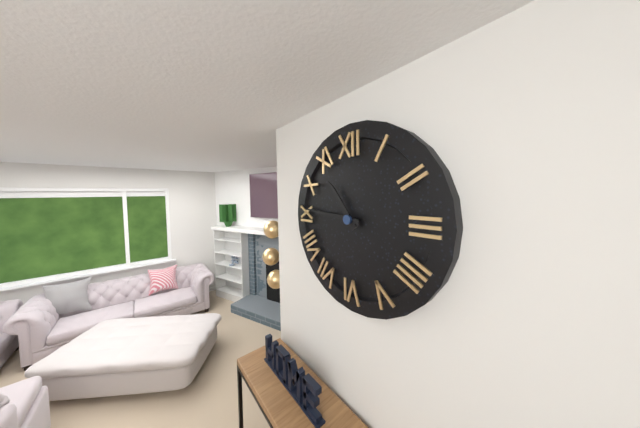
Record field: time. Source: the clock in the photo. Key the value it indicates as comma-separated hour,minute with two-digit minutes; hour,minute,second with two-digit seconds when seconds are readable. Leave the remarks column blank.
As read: 10,46
